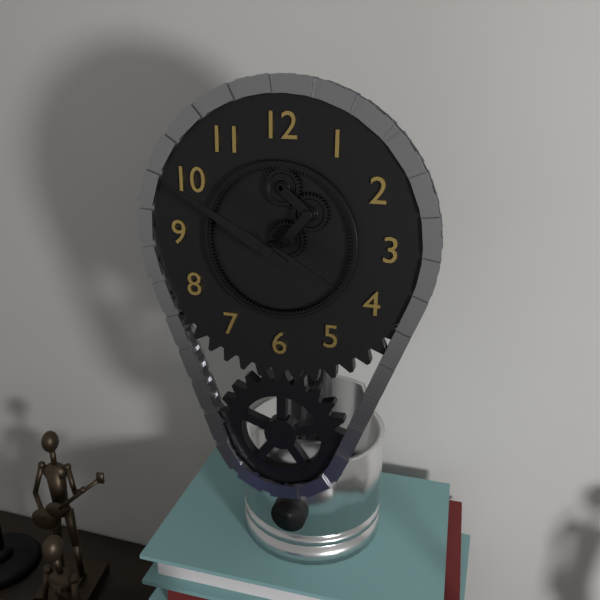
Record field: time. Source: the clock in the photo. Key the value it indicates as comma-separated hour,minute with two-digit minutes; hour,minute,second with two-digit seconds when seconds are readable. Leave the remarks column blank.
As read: 3,50
